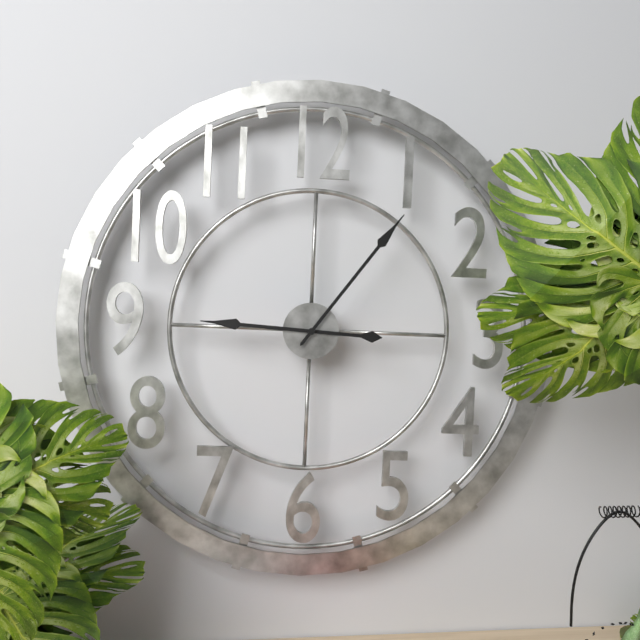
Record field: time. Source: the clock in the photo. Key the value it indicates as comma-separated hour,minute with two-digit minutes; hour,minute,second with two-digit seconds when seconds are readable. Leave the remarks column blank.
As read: 9,06
